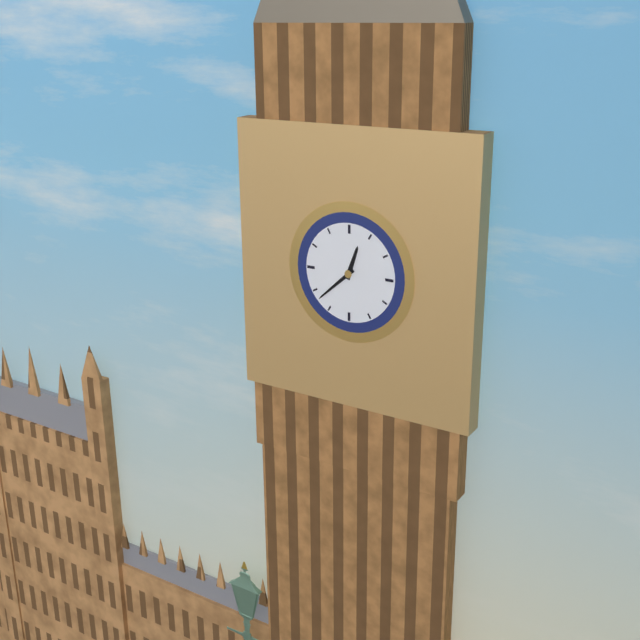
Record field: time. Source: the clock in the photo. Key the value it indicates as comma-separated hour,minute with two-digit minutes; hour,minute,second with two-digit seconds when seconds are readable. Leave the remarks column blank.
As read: 12,38
